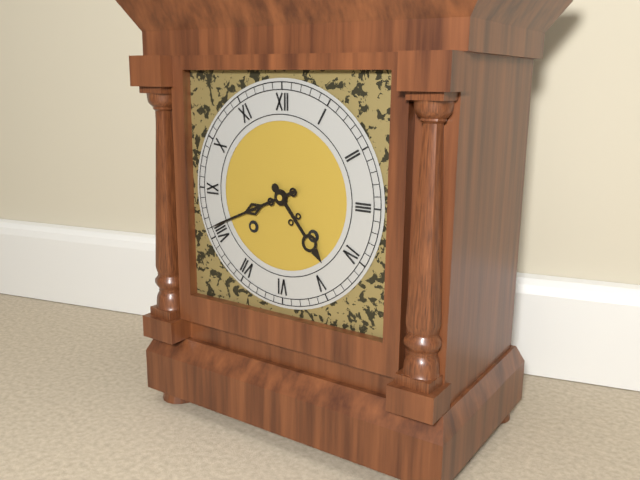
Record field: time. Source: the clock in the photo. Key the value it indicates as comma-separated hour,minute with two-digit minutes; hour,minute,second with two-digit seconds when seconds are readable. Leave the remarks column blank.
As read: 4,41
